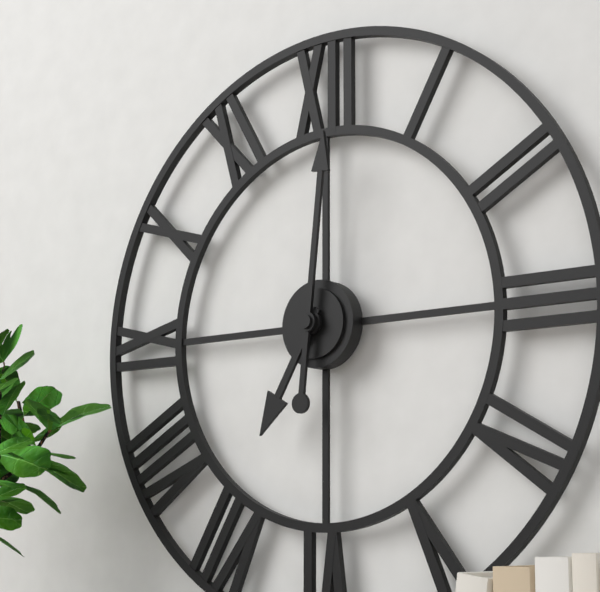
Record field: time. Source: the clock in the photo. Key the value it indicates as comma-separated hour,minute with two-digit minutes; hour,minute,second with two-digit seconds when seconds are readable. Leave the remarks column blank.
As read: 7,01
